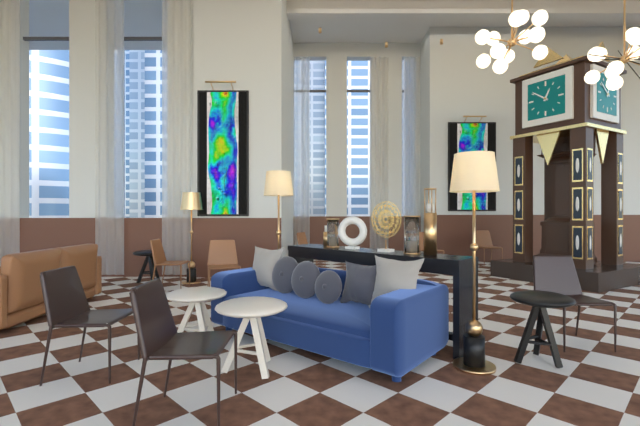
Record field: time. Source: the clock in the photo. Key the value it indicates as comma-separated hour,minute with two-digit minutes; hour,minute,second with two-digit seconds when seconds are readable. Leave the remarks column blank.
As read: 12,51
